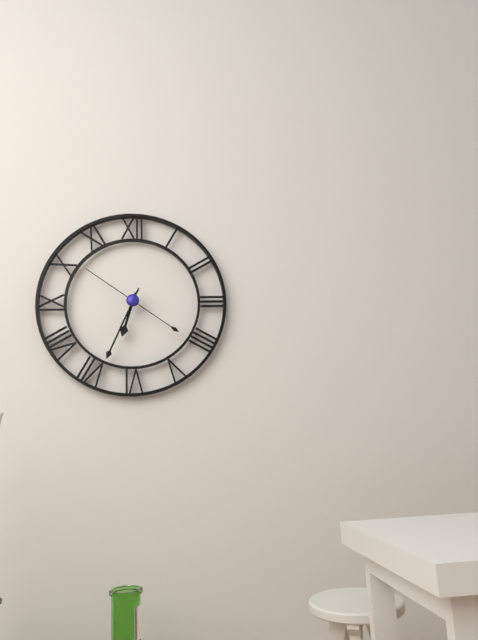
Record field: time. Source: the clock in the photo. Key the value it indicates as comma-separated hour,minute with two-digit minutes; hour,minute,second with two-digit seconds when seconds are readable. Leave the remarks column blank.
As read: 6,34,51
